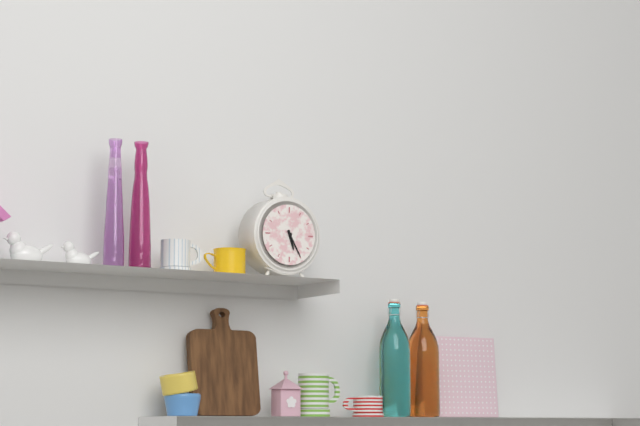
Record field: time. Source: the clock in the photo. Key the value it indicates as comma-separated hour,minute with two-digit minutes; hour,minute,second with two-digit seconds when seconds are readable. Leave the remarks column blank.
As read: 5,25
